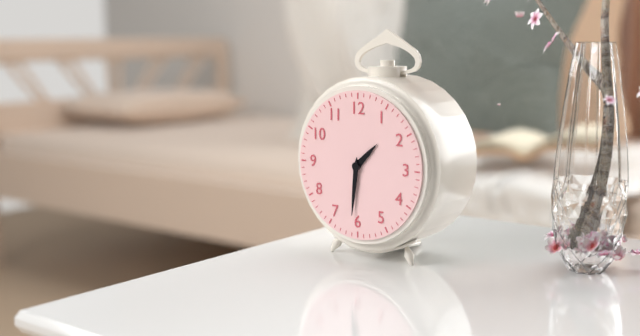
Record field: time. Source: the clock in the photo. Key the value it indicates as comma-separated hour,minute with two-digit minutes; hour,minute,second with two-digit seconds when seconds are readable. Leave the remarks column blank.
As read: 1,31
